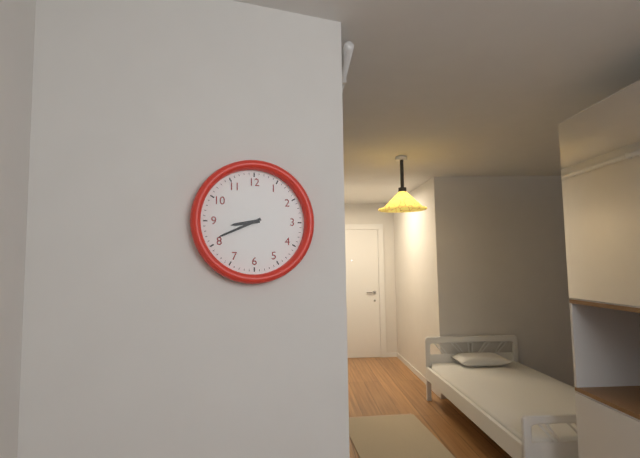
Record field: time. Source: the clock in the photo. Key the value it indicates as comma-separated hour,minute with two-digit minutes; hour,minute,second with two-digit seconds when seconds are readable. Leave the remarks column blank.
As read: 8,41
